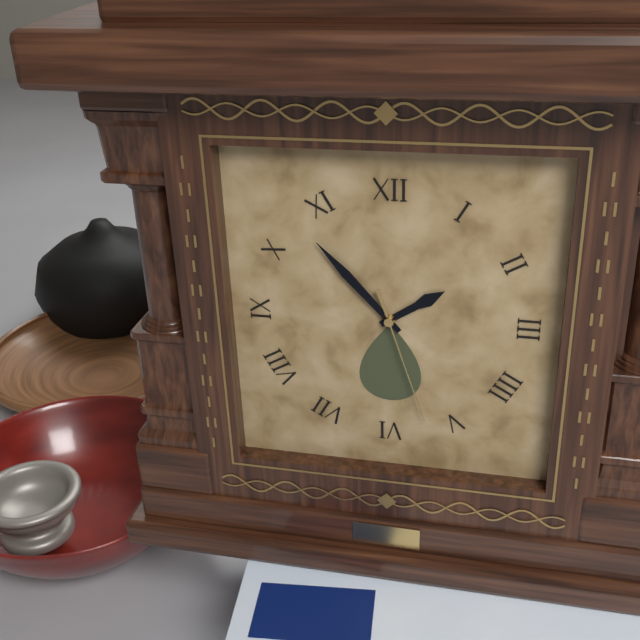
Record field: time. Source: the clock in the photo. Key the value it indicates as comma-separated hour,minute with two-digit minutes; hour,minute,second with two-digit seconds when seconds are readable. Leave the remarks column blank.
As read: 1,53,27
